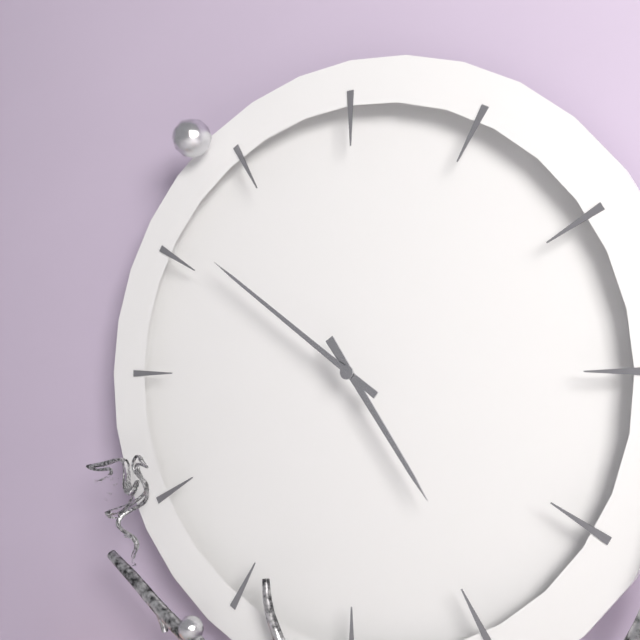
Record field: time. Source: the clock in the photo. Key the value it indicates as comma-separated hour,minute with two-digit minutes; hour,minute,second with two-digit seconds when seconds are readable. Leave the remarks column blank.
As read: 4,51
